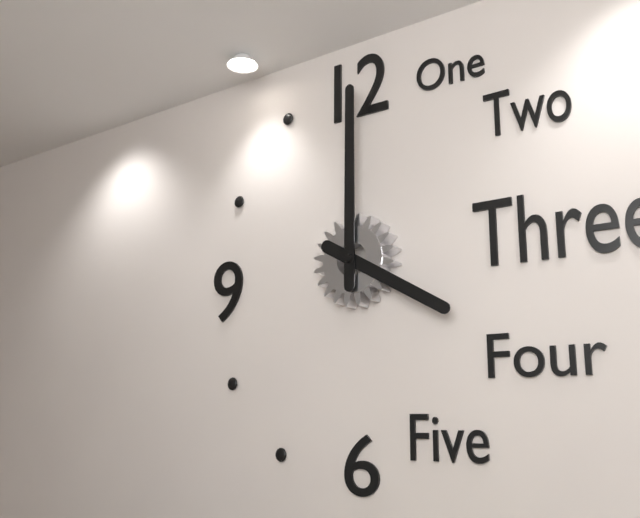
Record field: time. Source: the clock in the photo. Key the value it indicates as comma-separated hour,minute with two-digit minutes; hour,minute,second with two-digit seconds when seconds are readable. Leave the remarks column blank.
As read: 4,00
